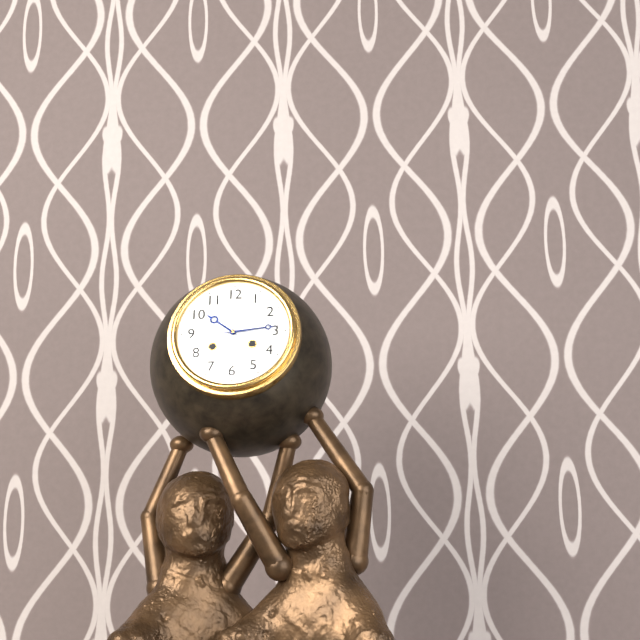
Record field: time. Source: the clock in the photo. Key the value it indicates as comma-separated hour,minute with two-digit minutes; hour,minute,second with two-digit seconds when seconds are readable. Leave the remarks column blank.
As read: 10,14
